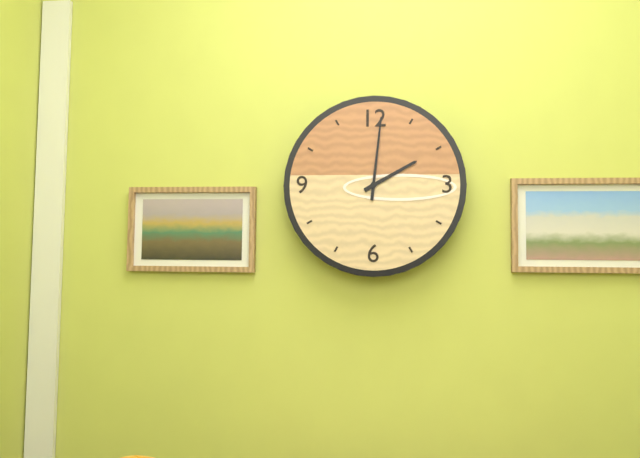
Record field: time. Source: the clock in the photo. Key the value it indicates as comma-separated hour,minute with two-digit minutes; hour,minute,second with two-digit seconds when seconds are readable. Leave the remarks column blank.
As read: 2,01
